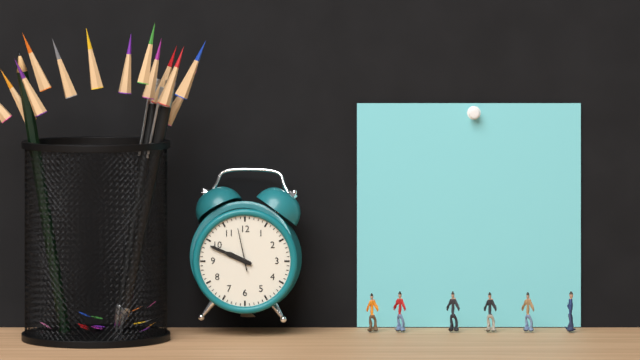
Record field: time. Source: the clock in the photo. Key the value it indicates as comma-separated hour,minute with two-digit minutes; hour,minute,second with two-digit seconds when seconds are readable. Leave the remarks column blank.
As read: 9,49
